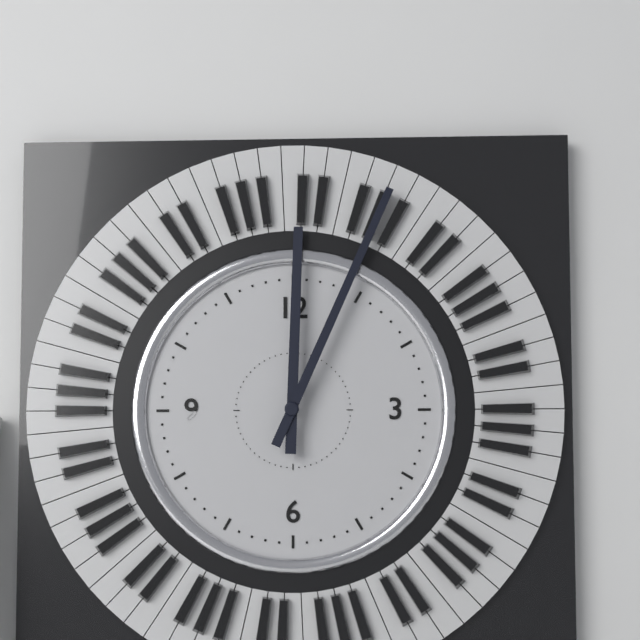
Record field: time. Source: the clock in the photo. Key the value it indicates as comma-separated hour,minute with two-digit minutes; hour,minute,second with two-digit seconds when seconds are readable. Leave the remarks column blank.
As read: 12,04
